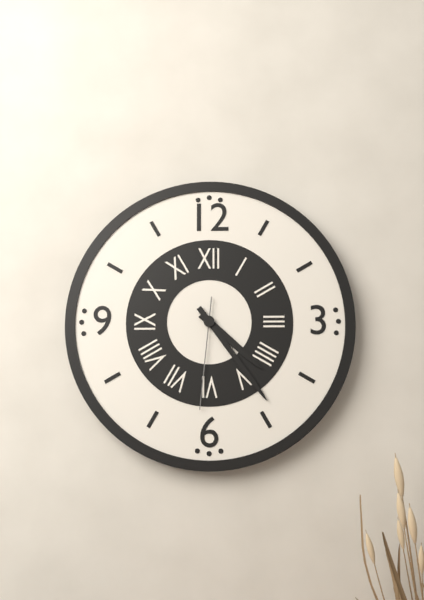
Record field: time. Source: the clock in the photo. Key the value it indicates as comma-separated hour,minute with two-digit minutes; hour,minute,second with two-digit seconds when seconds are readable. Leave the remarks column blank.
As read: 4,24,31
